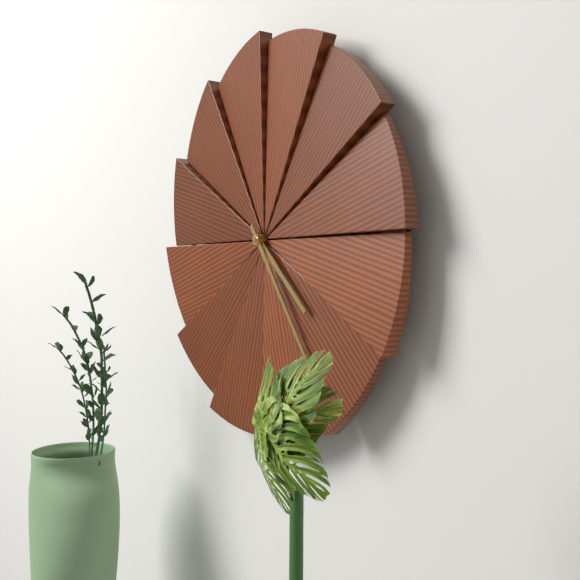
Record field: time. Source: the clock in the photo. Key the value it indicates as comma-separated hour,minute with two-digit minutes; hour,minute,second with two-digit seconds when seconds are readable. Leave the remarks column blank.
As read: 4,24
